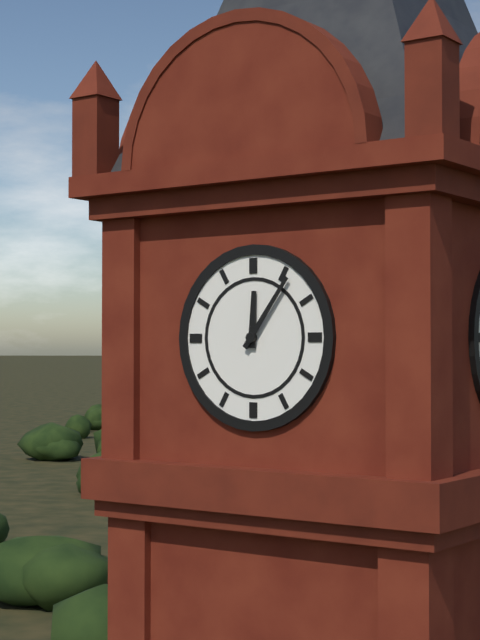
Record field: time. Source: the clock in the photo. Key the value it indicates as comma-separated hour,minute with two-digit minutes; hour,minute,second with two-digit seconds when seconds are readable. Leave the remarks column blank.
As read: 12,06
